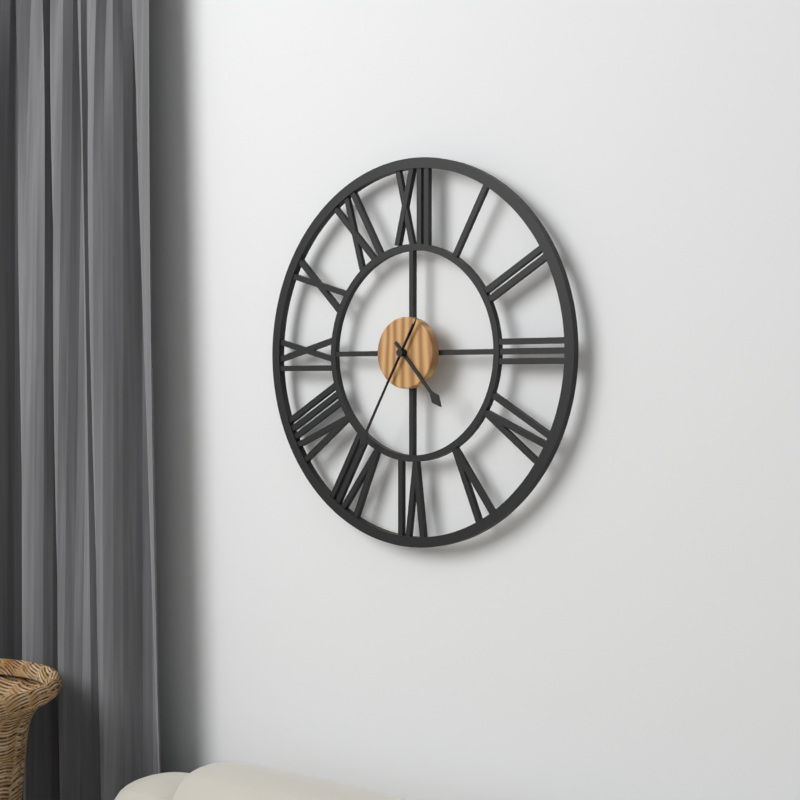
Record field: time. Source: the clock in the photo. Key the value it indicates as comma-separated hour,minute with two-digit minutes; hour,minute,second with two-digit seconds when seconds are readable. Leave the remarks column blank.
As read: 4,35
